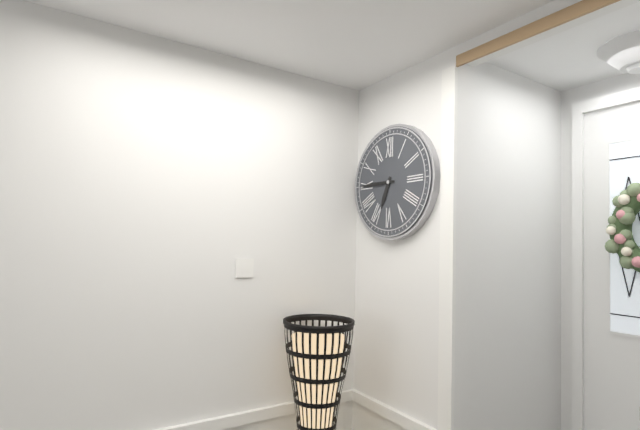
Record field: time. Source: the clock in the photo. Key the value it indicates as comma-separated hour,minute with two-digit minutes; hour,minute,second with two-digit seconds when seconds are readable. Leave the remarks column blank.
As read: 6,45
